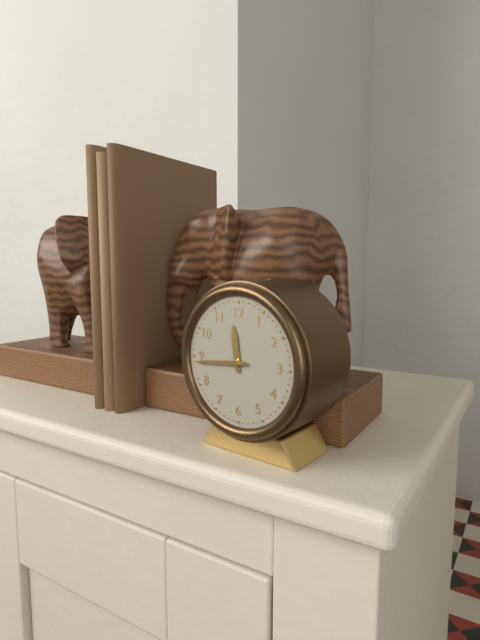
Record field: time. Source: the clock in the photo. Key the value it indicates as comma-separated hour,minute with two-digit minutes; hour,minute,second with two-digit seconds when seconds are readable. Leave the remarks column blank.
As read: 11,44
